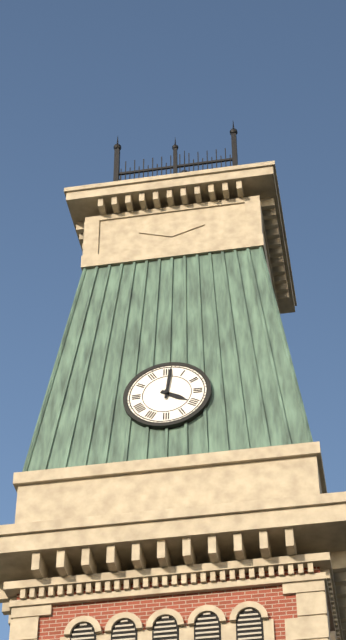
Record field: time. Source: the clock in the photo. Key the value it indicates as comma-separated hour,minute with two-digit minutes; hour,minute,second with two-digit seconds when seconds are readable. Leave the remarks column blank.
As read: 4,01
